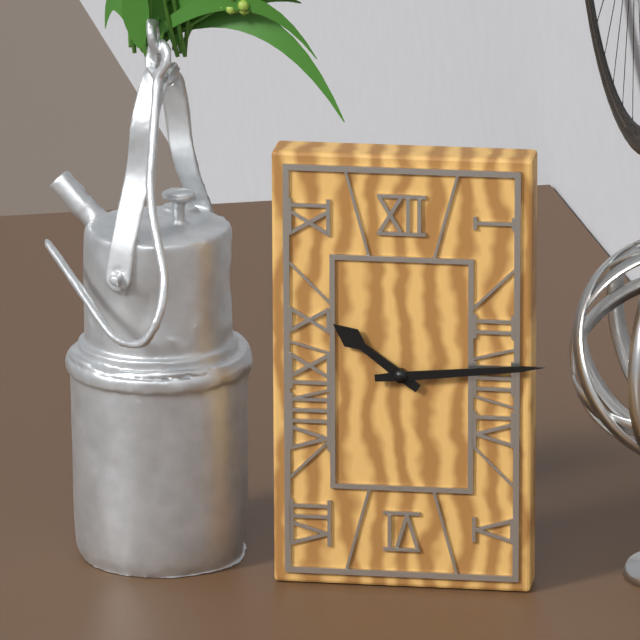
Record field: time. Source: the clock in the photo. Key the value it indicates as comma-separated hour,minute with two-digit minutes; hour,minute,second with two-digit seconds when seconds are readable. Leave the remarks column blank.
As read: 10,14
